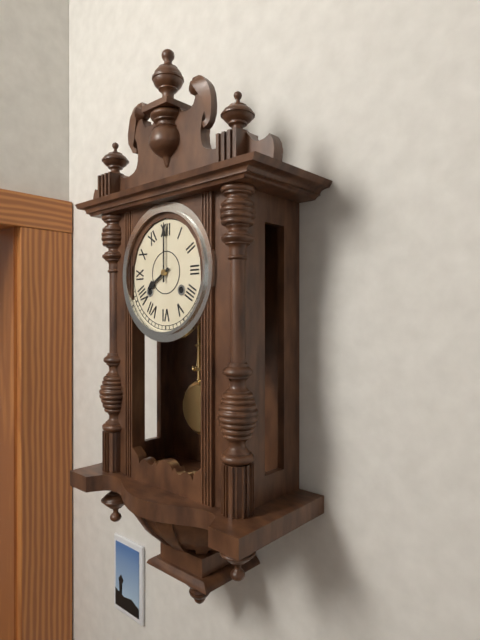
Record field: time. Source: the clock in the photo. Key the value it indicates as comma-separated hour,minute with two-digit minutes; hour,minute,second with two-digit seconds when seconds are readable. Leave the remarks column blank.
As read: 8,00
